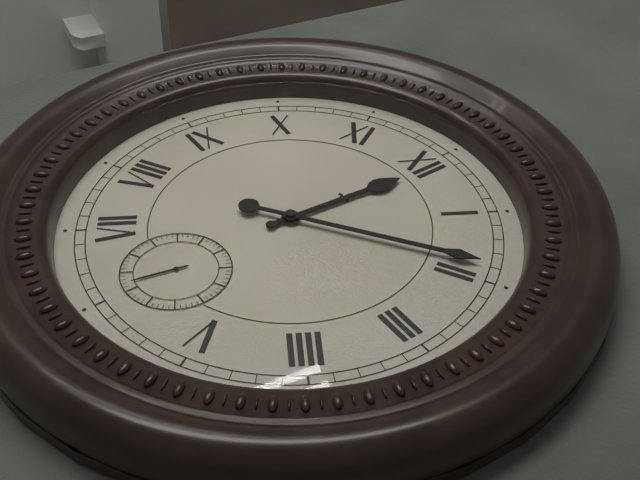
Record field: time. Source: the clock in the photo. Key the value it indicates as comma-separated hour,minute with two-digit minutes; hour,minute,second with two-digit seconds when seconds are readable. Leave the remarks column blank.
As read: 12,09,32
